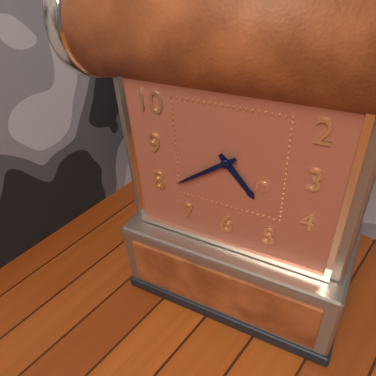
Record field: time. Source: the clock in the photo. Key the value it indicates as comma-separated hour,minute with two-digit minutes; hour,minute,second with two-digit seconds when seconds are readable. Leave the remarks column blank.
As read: 4,39
